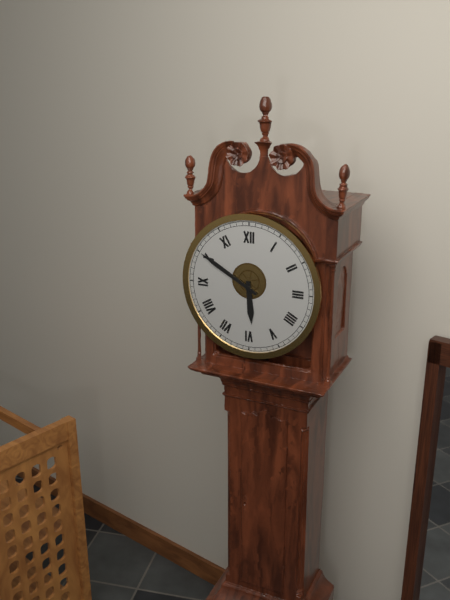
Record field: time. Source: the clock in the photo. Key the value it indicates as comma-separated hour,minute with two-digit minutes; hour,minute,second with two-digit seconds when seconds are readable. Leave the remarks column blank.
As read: 5,50
